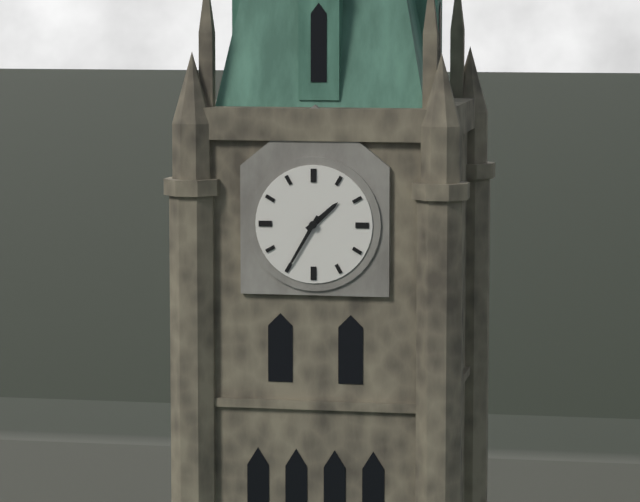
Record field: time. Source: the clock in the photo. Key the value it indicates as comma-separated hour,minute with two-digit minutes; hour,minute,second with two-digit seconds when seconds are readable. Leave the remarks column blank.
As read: 1,35
